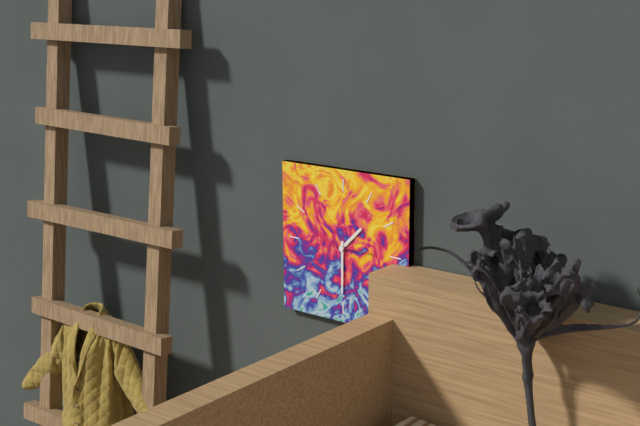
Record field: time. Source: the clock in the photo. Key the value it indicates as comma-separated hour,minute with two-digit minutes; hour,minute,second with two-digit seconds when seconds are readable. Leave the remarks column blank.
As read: 1,30
